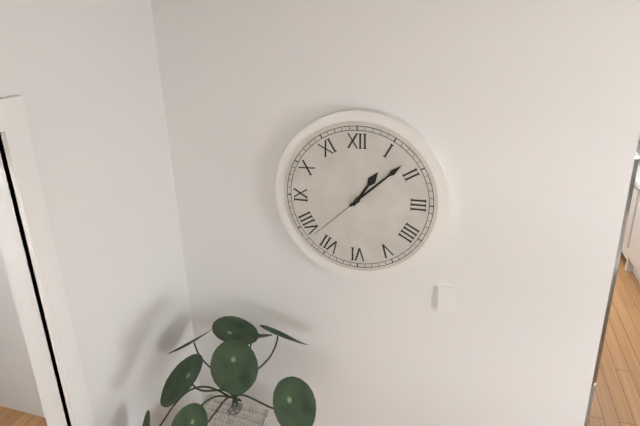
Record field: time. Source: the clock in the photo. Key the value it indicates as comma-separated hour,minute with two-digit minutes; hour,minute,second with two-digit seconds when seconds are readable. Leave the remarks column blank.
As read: 1,08,38
